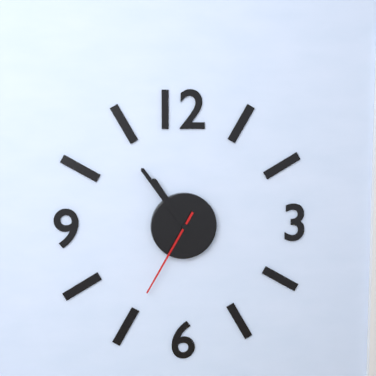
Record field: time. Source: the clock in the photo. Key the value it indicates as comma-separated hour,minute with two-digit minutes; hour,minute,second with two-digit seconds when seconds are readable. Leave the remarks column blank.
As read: 10,54,35
